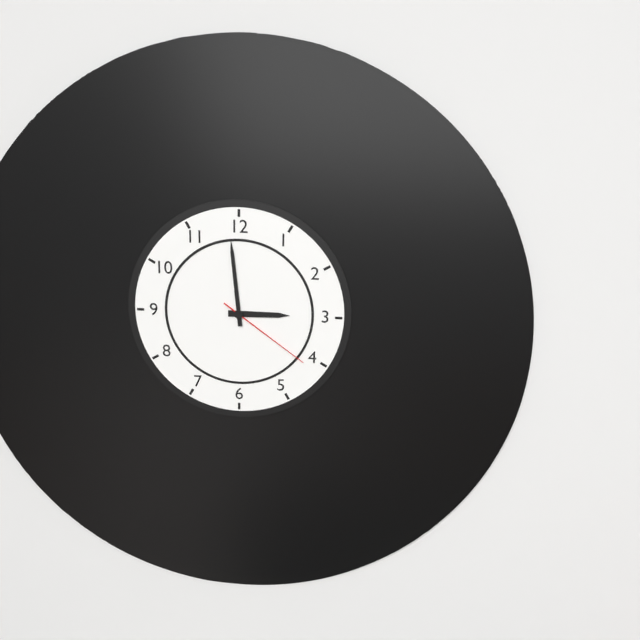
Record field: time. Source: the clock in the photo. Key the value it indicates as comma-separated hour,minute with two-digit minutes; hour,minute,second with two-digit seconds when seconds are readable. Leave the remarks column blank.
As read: 2,59,21
